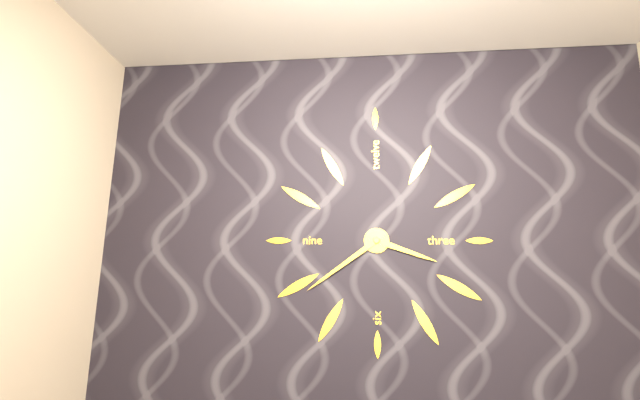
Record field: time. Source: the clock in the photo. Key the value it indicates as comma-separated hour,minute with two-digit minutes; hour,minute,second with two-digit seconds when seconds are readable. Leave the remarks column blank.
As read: 3,39
